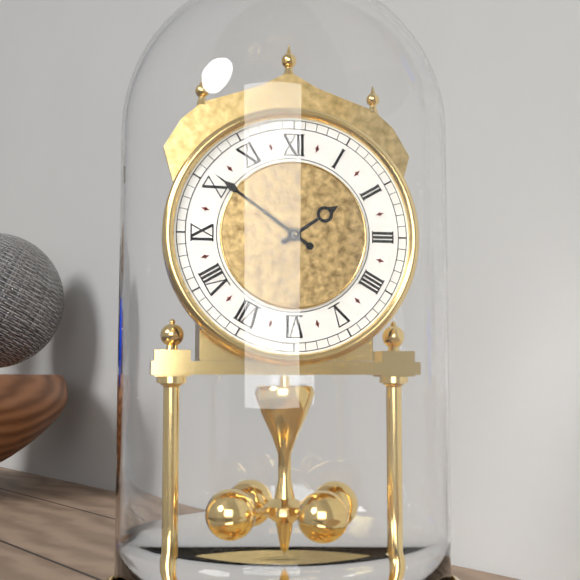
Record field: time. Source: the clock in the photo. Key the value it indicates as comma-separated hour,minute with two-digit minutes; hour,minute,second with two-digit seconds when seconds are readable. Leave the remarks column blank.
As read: 1,51
